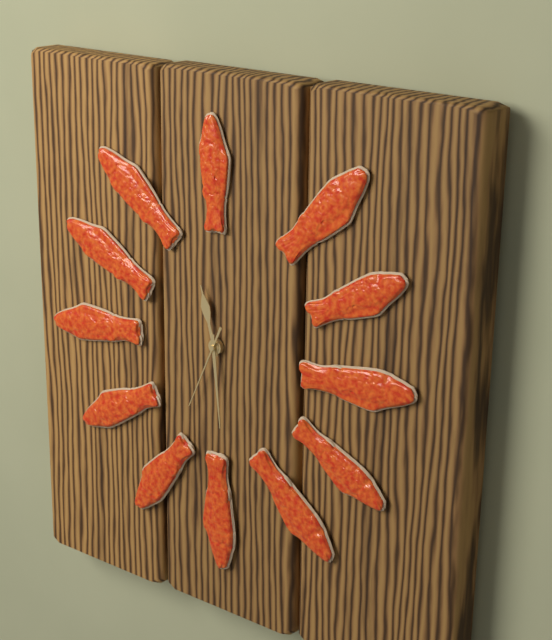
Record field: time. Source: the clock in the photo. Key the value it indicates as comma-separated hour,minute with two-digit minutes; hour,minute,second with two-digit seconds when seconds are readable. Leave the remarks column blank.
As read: 11,29,34
